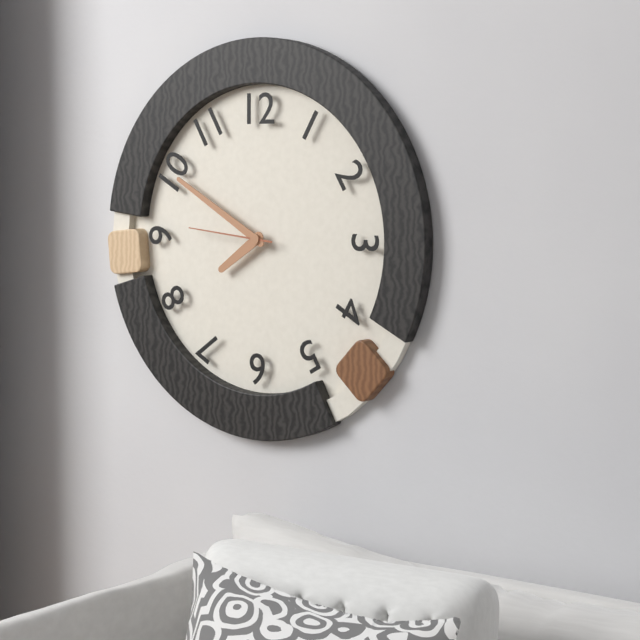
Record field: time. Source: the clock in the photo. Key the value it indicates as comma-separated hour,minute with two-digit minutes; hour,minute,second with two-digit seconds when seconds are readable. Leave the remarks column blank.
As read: 7,50,46
